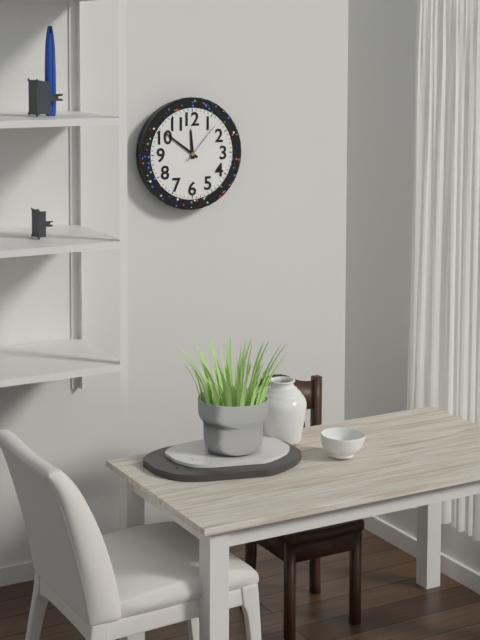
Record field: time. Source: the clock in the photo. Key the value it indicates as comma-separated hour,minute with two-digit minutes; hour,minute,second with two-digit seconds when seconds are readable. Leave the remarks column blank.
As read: 11,51
